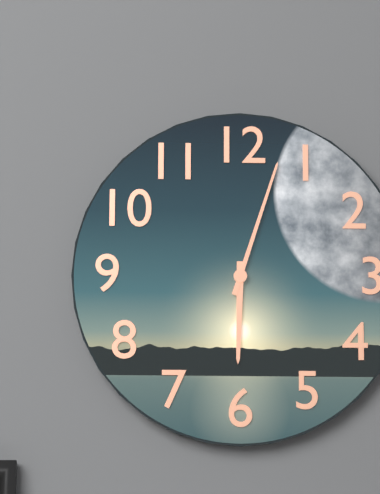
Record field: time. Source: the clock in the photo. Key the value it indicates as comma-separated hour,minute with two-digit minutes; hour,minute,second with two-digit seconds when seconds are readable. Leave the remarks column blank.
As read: 6,03
